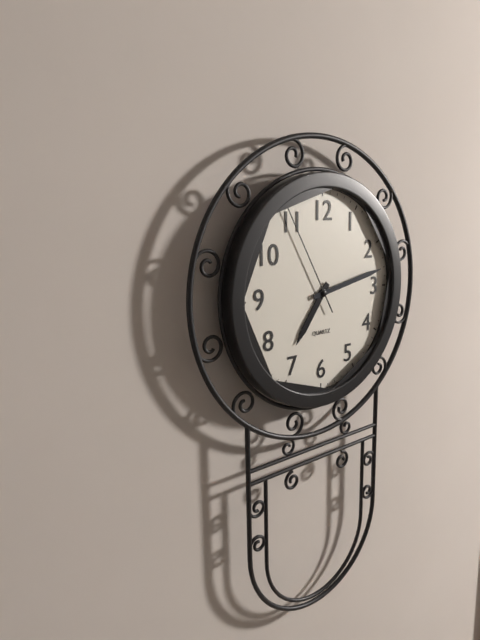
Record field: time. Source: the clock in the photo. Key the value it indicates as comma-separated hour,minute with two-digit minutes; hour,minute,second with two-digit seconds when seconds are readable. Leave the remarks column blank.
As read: 7,13,55
